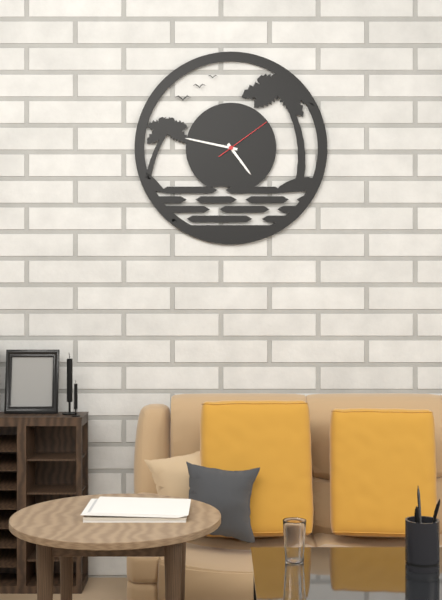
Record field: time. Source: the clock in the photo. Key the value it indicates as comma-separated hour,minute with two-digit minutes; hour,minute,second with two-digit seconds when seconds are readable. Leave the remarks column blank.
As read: 4,47,09
